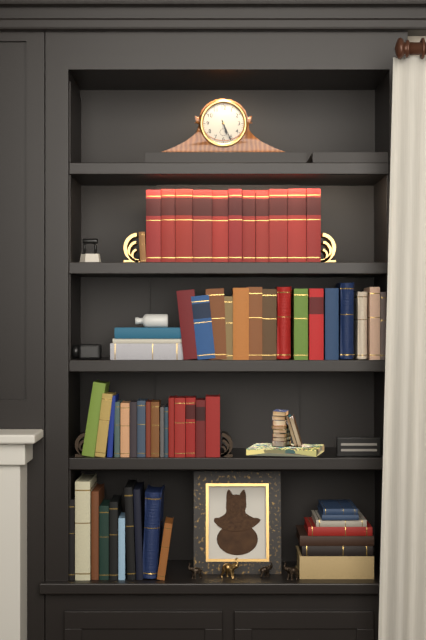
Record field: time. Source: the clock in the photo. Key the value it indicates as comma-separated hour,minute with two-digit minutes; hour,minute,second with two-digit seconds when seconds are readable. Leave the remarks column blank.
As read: 5,26
